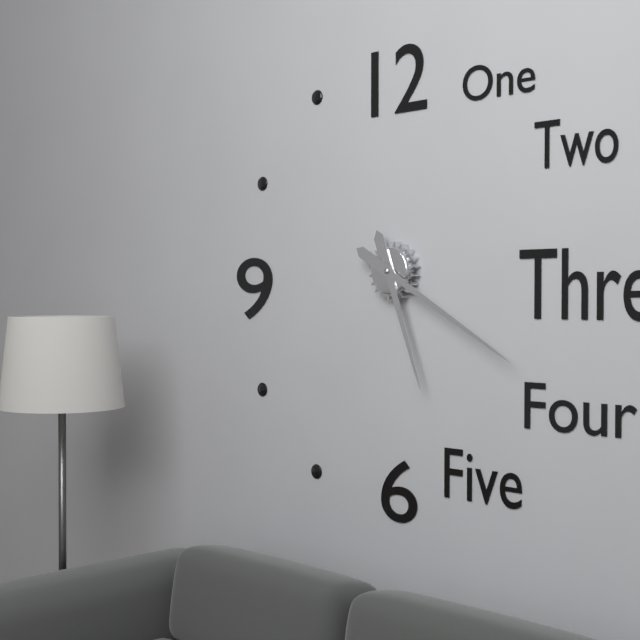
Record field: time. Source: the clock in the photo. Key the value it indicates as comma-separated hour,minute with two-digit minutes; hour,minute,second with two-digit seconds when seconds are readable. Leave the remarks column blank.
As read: 5,20
